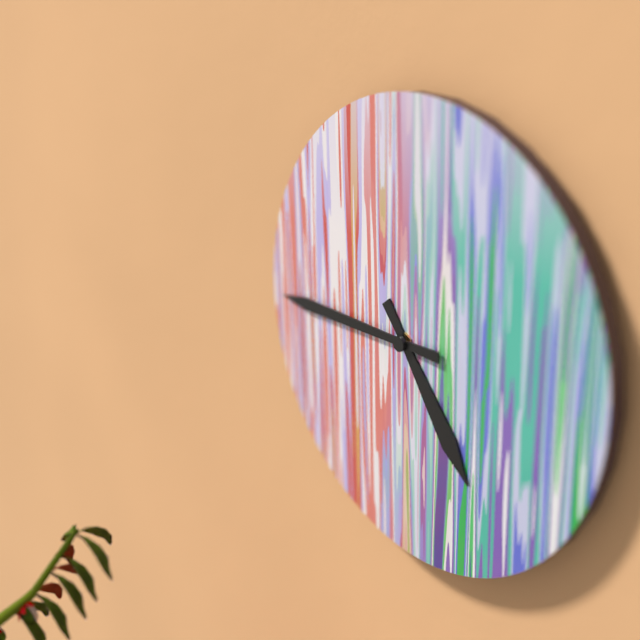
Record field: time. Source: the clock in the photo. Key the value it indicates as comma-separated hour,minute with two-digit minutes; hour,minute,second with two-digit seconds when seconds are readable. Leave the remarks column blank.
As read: 4,45
